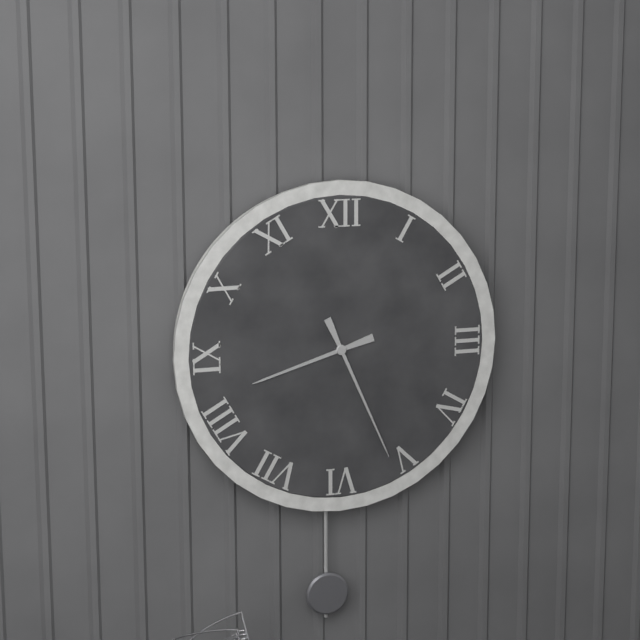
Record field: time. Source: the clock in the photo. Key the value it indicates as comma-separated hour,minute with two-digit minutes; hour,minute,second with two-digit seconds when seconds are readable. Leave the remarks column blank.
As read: 8,26
